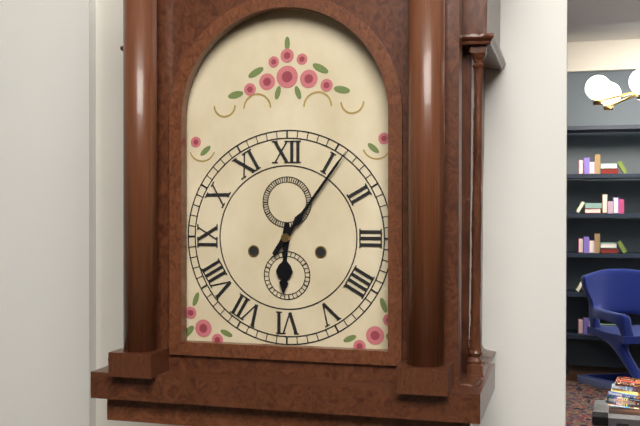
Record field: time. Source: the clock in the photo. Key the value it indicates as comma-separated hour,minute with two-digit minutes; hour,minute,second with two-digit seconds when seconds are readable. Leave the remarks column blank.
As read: 6,06
